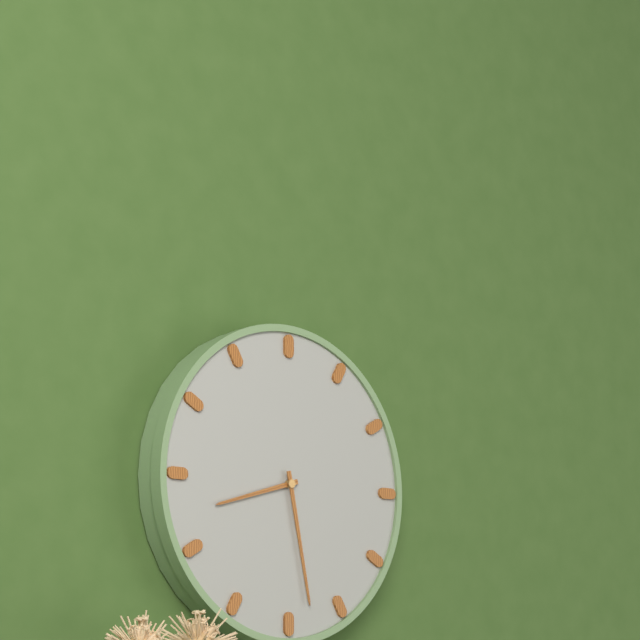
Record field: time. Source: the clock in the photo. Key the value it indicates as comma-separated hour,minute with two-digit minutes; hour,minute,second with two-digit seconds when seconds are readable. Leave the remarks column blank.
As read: 8,28
